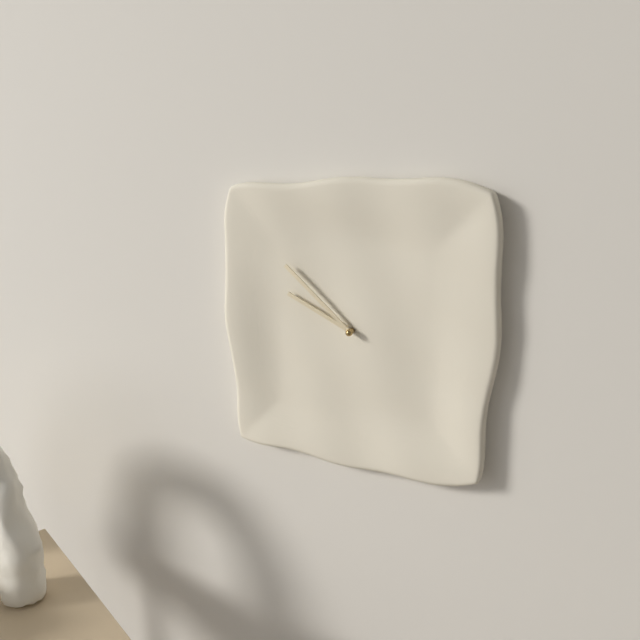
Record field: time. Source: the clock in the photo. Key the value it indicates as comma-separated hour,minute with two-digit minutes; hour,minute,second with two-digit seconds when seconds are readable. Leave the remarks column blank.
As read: 9,52
